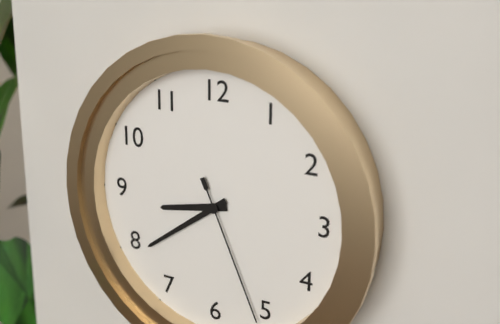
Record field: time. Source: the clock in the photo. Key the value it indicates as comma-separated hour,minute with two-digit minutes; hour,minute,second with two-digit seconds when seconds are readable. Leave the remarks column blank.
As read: 8,39,26
